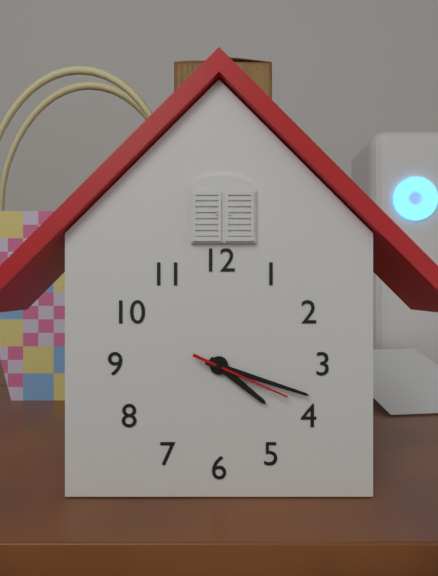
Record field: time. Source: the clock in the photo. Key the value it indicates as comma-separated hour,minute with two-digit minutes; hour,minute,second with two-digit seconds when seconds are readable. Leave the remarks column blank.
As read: 4,18,19
